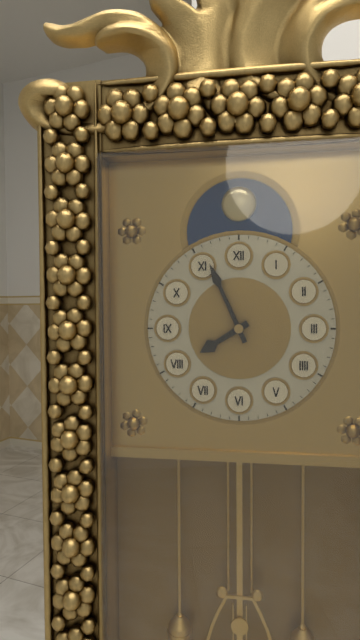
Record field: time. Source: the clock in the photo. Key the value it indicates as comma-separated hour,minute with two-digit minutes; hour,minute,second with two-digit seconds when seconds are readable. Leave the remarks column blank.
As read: 7,56
